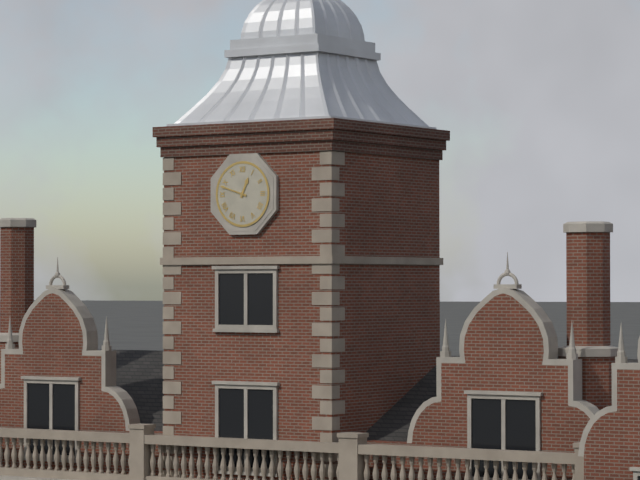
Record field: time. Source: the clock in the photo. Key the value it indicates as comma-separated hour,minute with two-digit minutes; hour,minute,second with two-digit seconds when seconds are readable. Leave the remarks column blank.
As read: 12,48
